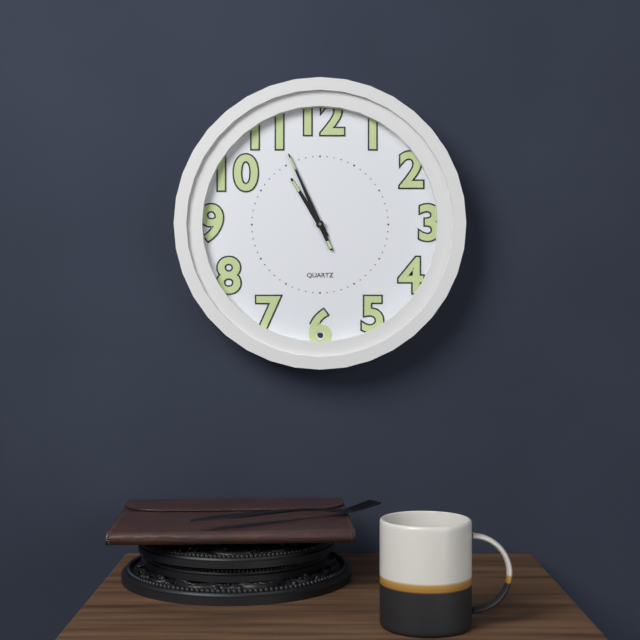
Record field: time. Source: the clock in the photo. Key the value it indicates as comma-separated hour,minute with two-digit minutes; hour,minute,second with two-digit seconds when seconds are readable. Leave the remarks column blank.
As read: 10,56
